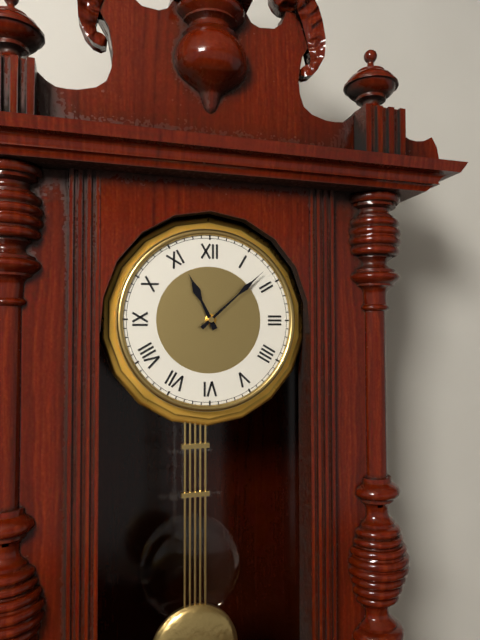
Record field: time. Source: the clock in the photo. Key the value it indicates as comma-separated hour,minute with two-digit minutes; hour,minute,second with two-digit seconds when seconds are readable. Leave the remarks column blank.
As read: 11,08
